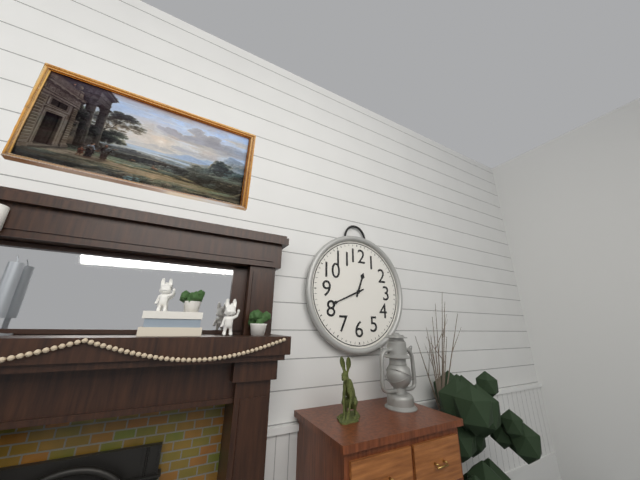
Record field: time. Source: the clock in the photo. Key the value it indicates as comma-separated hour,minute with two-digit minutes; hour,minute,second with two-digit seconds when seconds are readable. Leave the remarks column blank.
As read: 12,41
